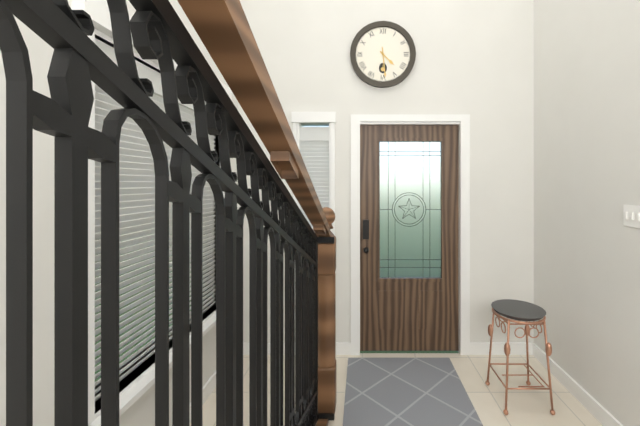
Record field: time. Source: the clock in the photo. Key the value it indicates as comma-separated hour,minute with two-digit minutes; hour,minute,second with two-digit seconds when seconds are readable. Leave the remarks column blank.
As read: 4,29
